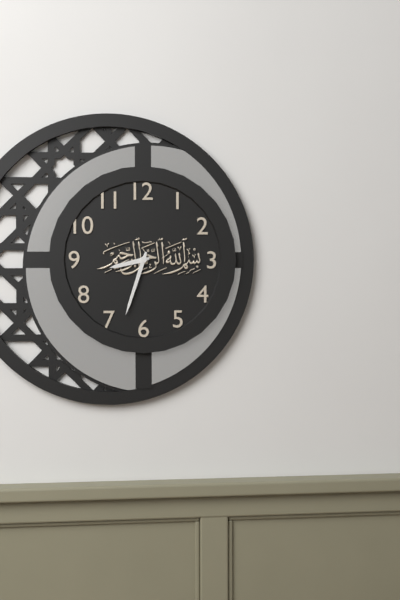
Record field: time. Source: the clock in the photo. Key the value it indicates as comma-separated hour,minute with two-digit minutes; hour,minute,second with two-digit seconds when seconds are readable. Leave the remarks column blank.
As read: 8,33
